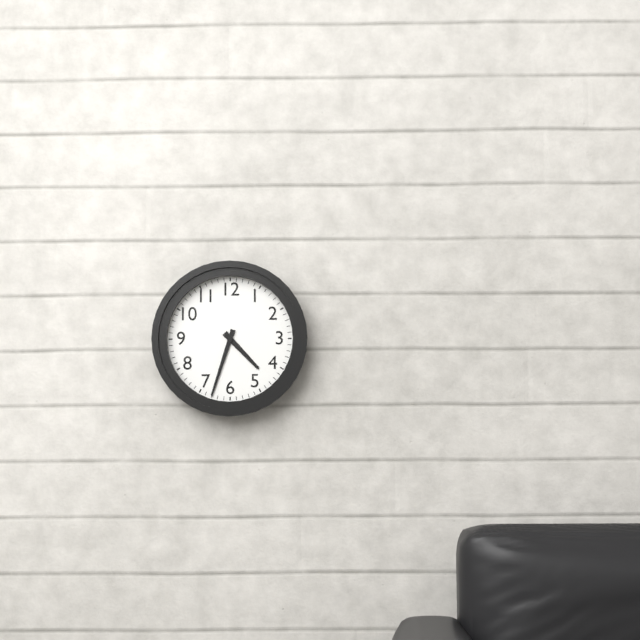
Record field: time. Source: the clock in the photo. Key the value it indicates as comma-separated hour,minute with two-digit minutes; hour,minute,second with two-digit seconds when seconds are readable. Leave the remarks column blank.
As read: 4,33
